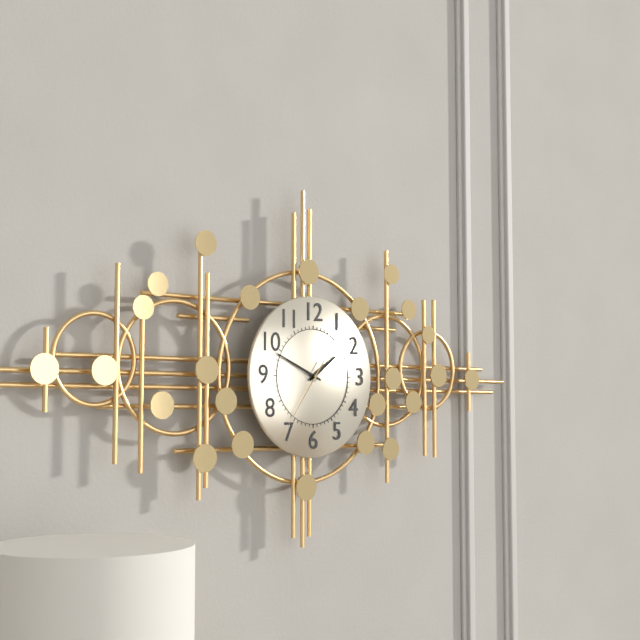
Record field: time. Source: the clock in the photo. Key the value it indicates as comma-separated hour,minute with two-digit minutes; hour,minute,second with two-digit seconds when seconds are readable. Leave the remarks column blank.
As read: 1,49,36
